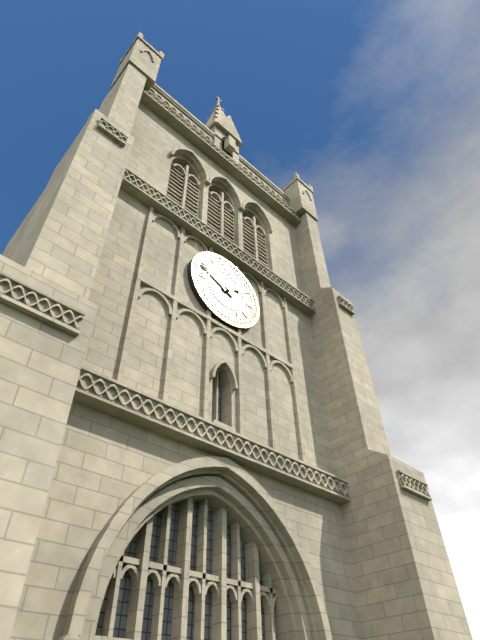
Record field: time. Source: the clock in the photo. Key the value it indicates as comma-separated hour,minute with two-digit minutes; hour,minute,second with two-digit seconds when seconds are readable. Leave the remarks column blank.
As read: 1,49
